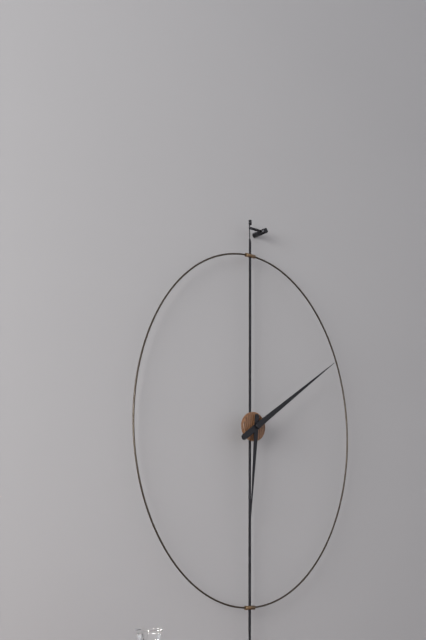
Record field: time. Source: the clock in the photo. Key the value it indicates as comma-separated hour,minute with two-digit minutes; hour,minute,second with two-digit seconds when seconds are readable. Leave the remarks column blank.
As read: 6,09
